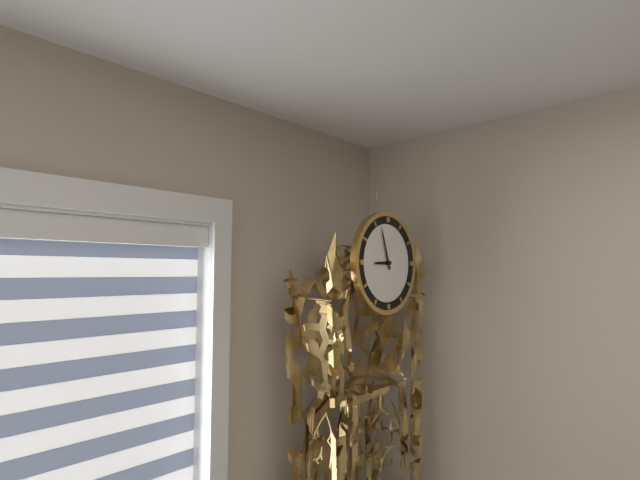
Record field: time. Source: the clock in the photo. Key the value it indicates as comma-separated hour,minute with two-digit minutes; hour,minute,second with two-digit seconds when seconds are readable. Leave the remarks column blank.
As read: 8,57
